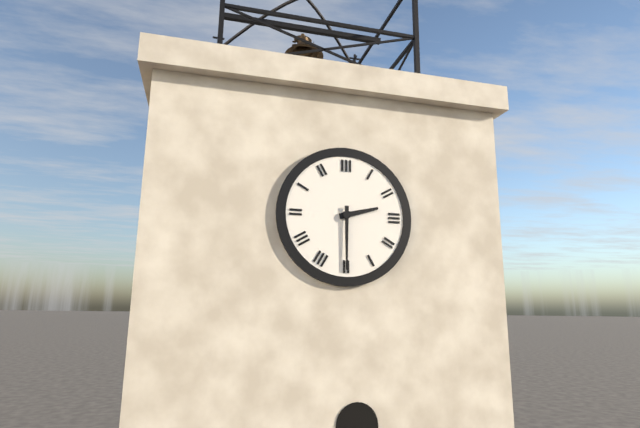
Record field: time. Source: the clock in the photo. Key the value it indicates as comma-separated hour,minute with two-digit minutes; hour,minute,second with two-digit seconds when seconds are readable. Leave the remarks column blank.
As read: 2,30
